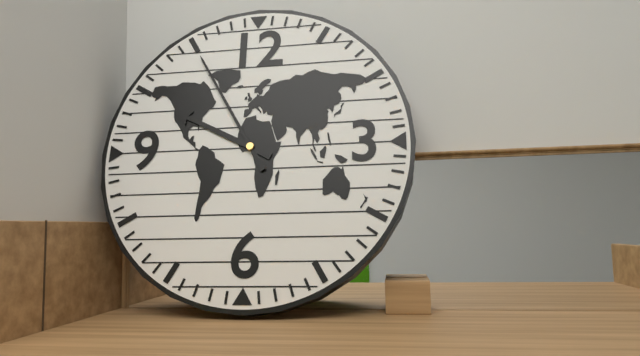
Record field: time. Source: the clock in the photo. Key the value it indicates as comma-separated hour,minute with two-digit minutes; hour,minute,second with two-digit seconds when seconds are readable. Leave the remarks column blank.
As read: 9,55
